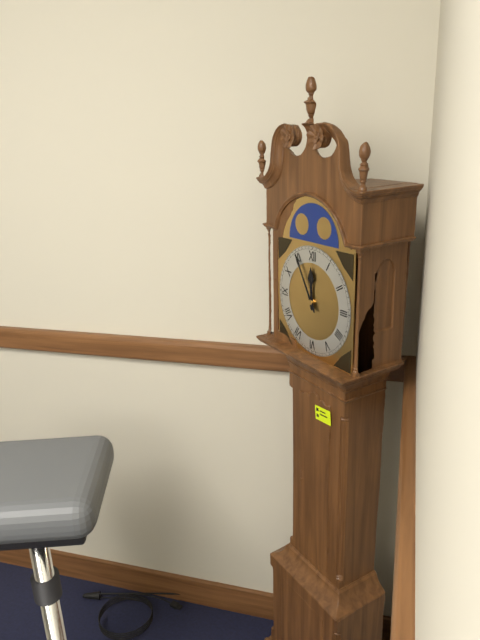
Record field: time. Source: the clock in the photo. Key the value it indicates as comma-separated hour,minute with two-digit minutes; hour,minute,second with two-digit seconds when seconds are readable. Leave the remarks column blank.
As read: 11,55
